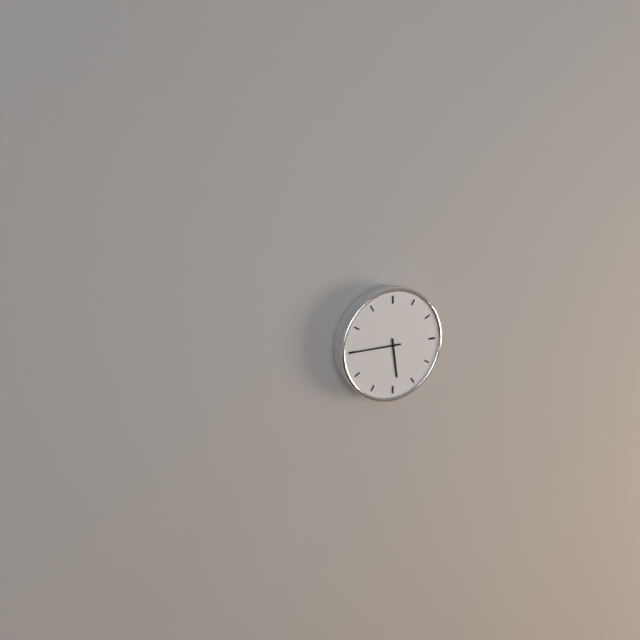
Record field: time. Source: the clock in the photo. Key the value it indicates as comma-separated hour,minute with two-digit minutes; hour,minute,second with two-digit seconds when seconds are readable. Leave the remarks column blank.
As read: 5,45
